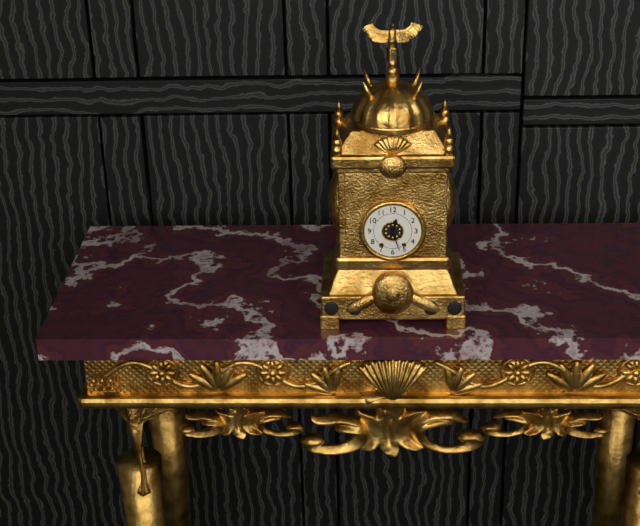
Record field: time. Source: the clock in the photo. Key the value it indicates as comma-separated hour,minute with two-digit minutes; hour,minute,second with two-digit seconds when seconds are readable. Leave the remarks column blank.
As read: 12,27
